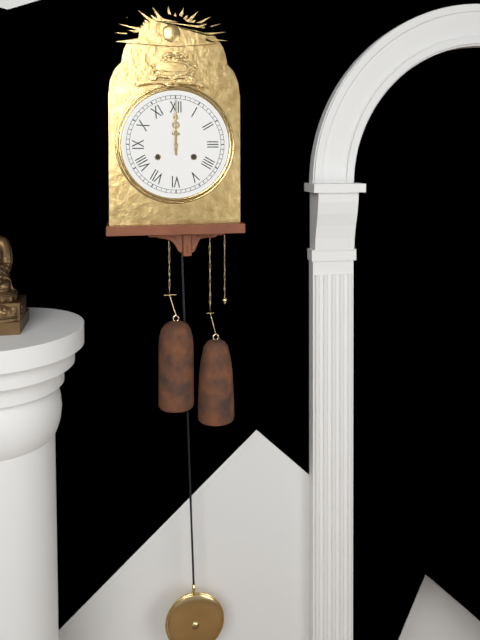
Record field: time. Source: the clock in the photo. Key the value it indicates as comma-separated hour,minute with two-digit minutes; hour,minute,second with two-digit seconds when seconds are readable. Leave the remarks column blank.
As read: 12,00
